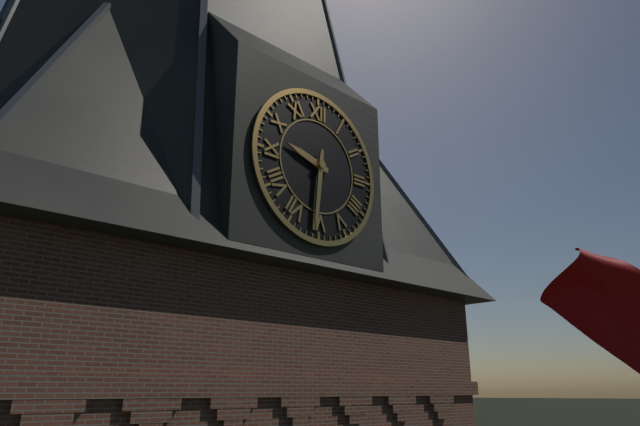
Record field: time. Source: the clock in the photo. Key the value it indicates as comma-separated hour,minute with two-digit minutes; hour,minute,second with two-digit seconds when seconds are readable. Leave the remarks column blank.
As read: 9,31
